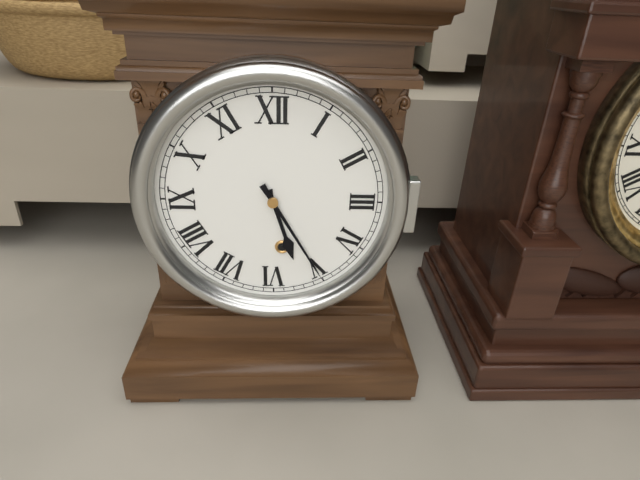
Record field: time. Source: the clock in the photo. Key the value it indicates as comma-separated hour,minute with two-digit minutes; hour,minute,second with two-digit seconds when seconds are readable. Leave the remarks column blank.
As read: 5,25
